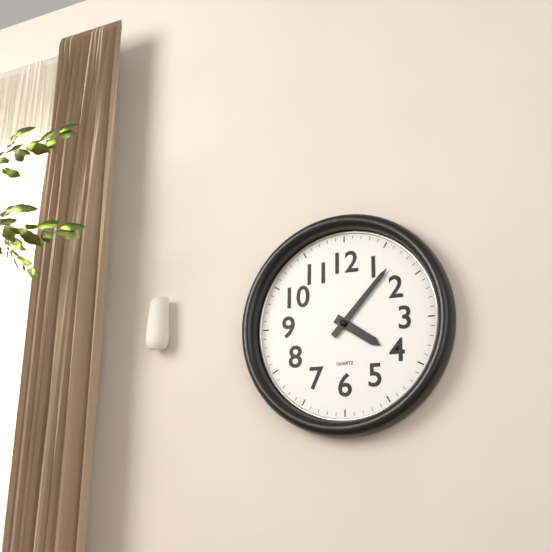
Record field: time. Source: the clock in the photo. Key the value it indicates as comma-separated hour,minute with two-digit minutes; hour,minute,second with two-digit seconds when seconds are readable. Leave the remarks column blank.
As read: 4,07
